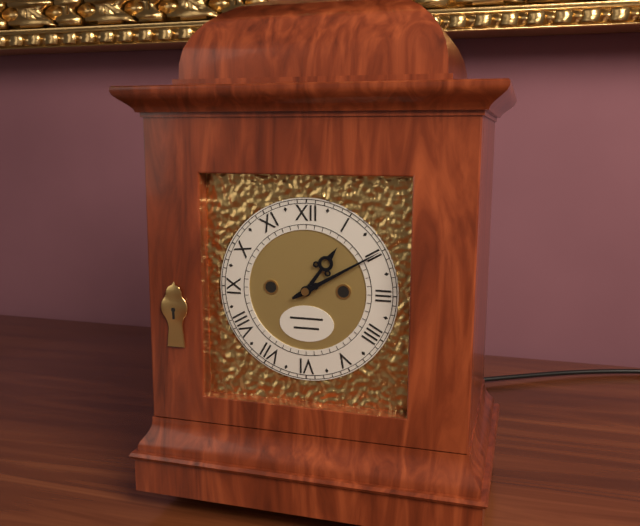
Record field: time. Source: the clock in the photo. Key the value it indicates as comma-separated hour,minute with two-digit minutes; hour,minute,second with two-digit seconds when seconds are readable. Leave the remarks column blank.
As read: 1,10
